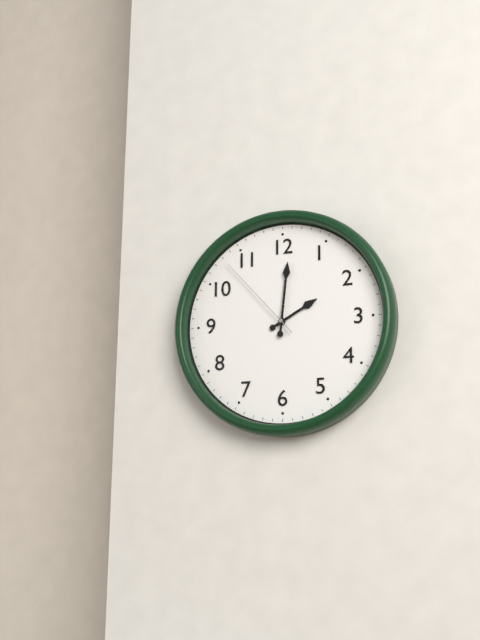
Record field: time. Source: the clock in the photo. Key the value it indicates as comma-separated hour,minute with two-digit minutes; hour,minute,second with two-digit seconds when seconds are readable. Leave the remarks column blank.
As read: 2,01,53
